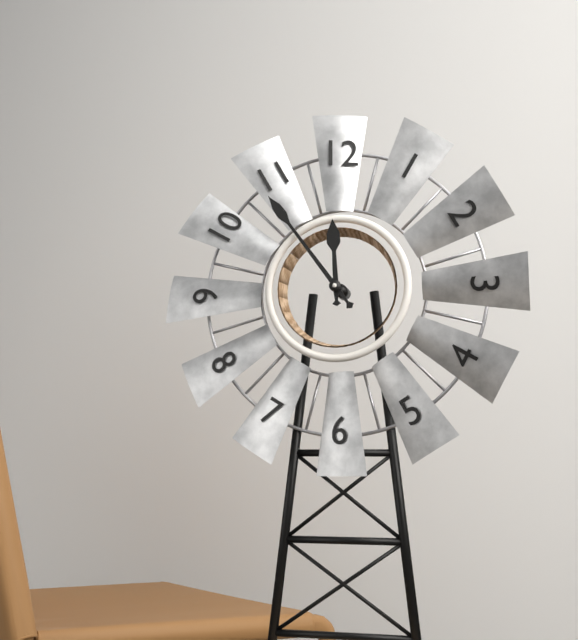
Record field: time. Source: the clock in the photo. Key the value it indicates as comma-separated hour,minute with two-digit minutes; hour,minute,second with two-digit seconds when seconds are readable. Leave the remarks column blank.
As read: 11,54
